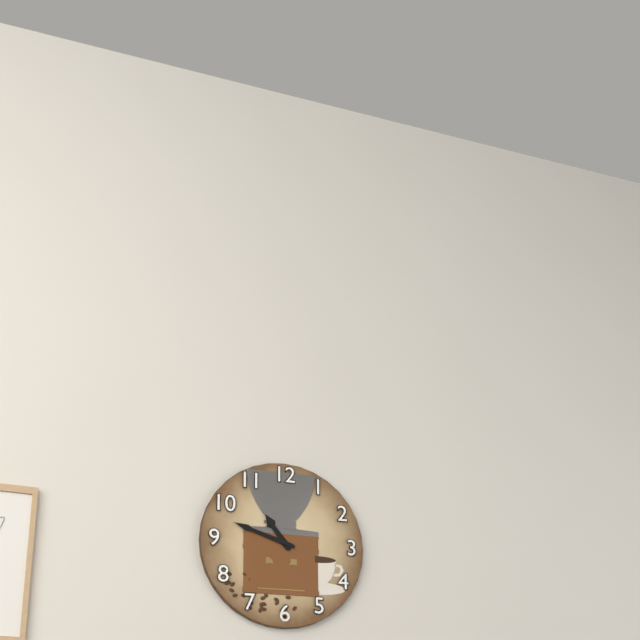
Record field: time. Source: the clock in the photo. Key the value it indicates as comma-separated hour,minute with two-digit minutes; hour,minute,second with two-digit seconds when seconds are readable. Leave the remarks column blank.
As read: 10,48
